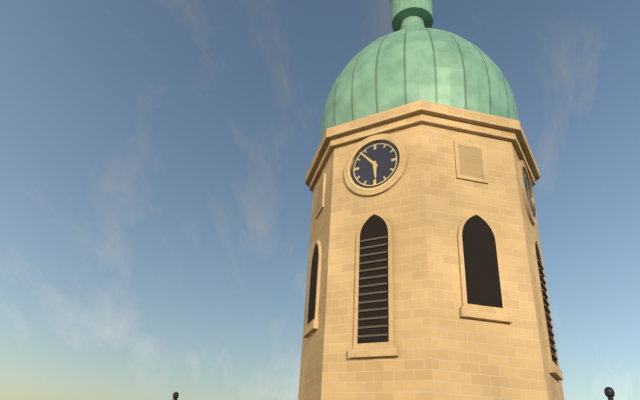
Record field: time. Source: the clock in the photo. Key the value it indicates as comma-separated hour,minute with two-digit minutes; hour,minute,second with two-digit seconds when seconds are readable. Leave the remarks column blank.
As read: 5,53
